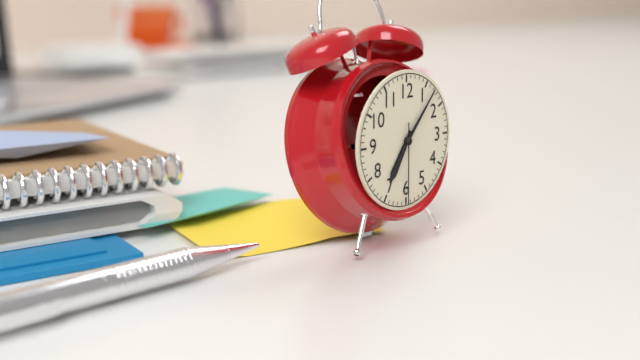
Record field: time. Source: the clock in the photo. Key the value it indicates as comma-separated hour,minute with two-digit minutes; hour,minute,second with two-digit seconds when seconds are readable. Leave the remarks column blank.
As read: 7,07,30
